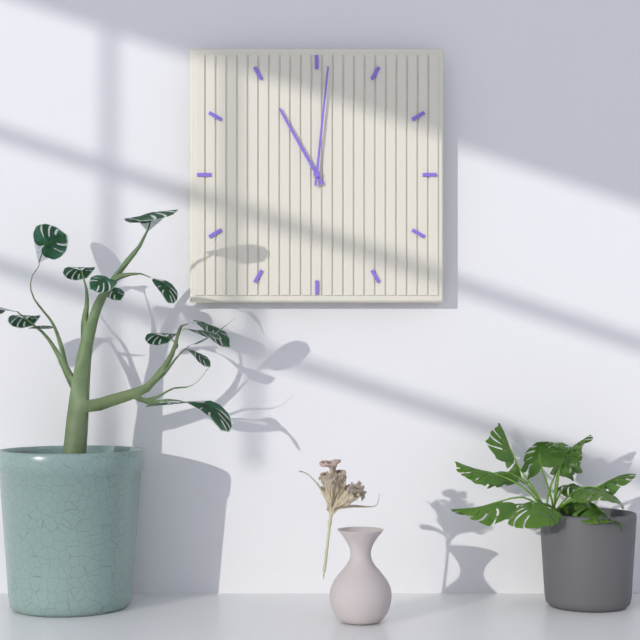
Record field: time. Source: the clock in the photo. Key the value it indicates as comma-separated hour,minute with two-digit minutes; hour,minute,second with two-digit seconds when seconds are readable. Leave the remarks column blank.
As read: 11,01
